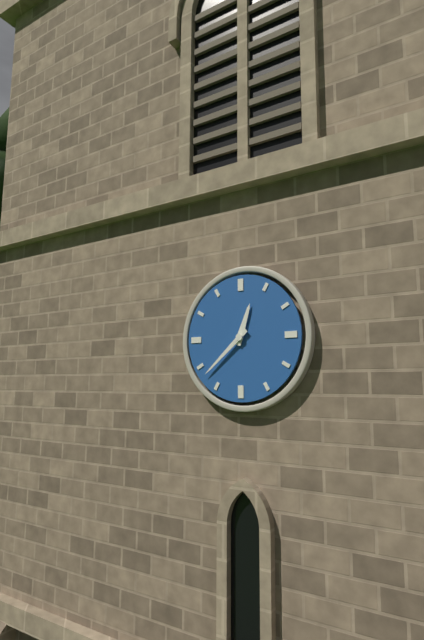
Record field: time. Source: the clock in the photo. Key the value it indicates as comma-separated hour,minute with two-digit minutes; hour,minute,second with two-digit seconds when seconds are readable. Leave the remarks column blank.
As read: 12,38
